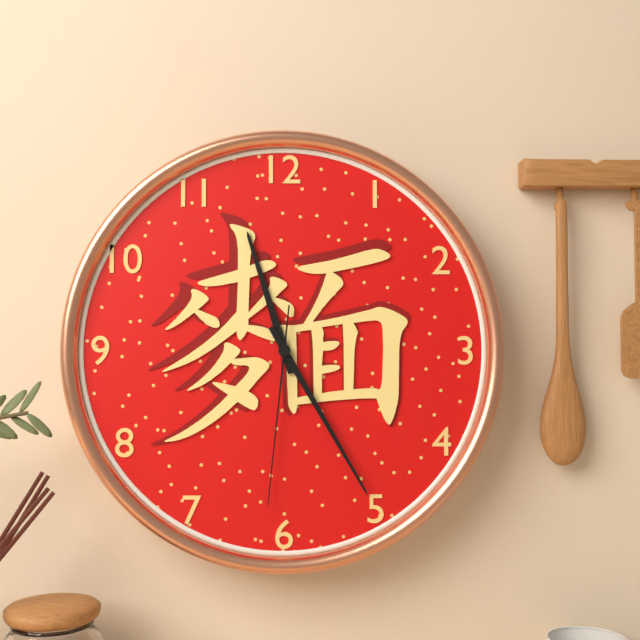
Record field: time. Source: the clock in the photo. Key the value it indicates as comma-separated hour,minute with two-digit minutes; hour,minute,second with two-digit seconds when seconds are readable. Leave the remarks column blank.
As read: 11,25,31
